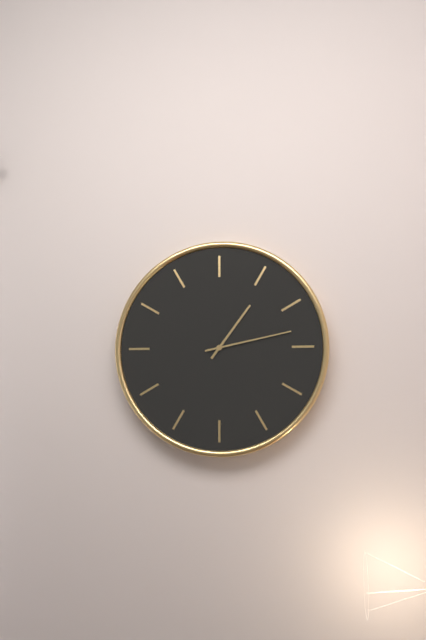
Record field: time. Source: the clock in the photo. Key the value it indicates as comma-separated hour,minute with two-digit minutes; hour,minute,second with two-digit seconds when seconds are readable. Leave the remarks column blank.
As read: 1,13
